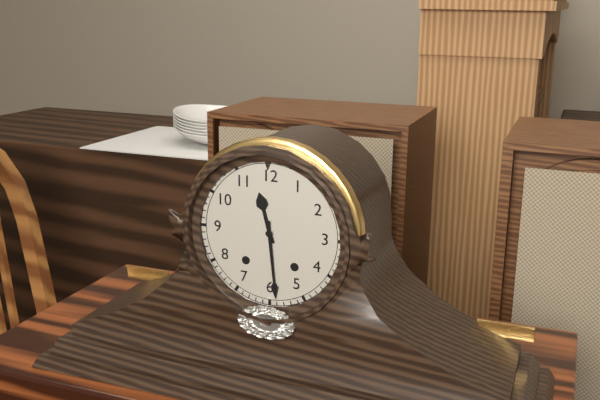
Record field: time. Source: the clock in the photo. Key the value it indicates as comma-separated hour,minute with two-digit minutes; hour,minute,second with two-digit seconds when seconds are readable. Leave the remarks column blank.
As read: 11,29
